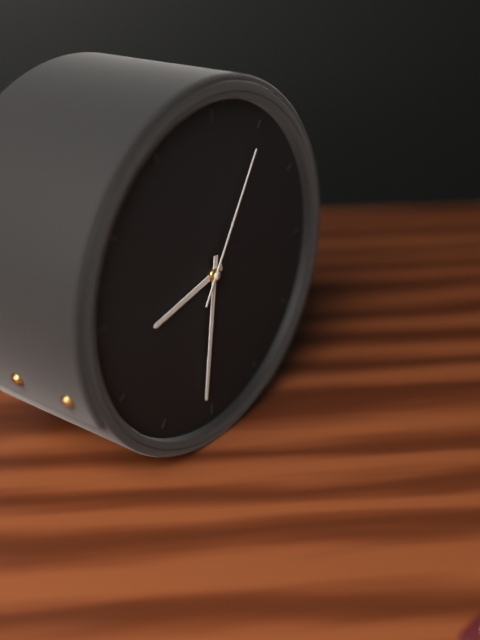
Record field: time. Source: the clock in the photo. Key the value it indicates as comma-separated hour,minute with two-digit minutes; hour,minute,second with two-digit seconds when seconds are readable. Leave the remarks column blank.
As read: 8,31,05
